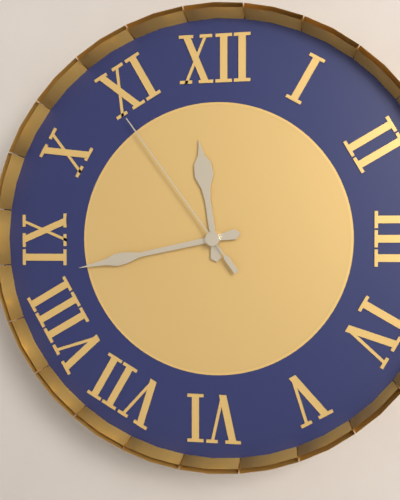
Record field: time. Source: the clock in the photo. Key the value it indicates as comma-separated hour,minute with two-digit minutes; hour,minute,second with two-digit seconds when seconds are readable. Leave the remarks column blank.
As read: 11,43,54
